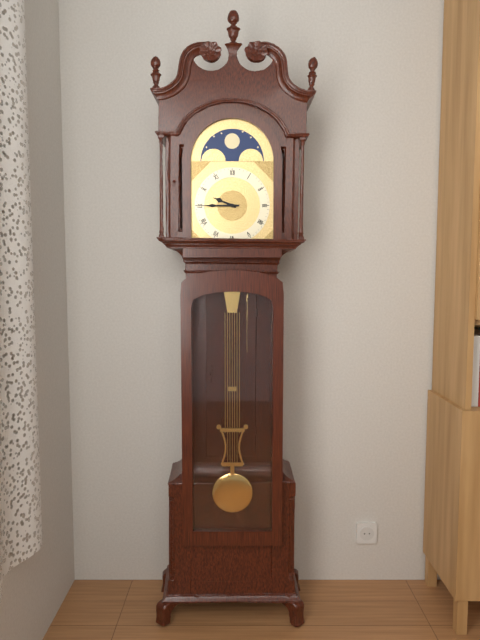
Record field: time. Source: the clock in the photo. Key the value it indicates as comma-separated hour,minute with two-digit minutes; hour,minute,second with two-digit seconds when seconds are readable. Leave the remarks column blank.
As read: 9,45
